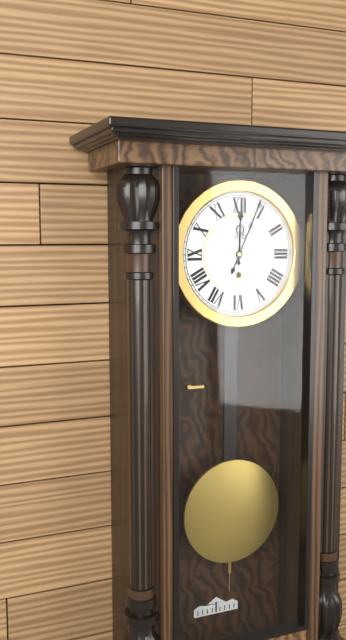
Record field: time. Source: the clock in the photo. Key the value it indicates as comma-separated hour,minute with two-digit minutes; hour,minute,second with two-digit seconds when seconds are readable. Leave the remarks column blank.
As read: 12,04
